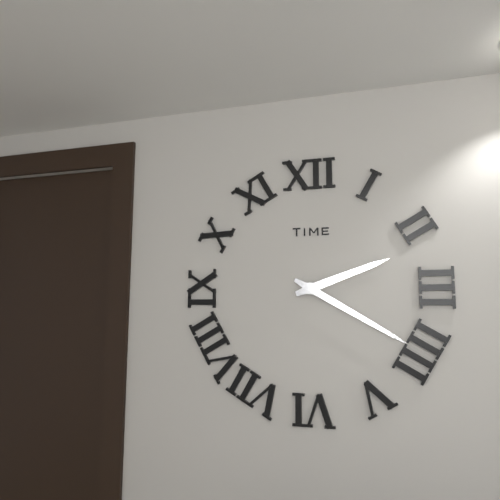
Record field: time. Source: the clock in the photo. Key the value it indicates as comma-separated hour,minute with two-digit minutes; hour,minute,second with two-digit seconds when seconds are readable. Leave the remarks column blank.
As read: 2,20
